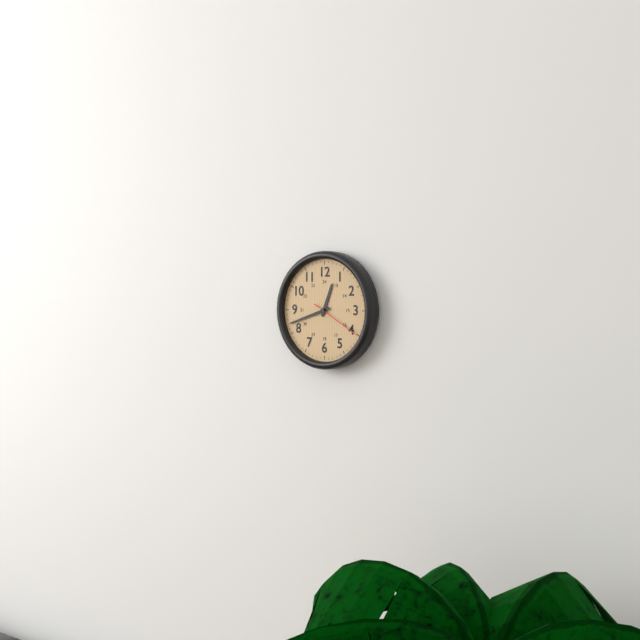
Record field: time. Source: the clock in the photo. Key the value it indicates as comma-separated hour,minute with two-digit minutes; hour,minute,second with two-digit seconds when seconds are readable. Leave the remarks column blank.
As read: 12,42,20
